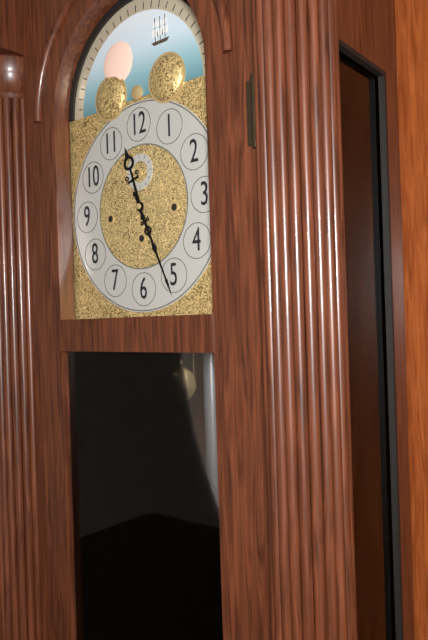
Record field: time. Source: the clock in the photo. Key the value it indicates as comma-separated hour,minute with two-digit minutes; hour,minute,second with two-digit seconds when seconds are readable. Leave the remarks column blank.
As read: 11,26
